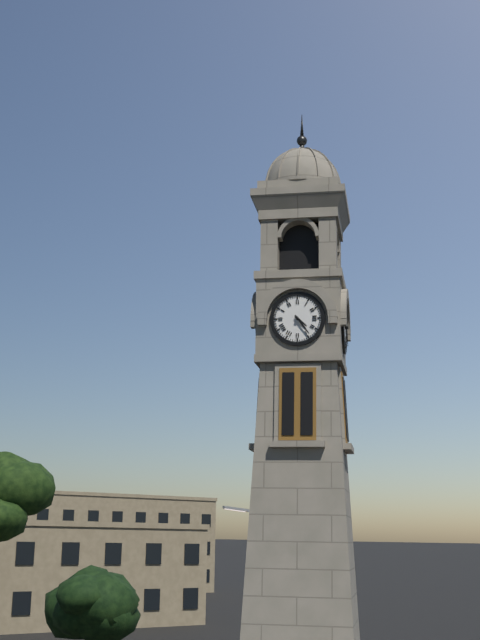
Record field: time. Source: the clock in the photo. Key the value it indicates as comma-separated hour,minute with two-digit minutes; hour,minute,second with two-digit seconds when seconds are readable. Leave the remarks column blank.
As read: 4,24
